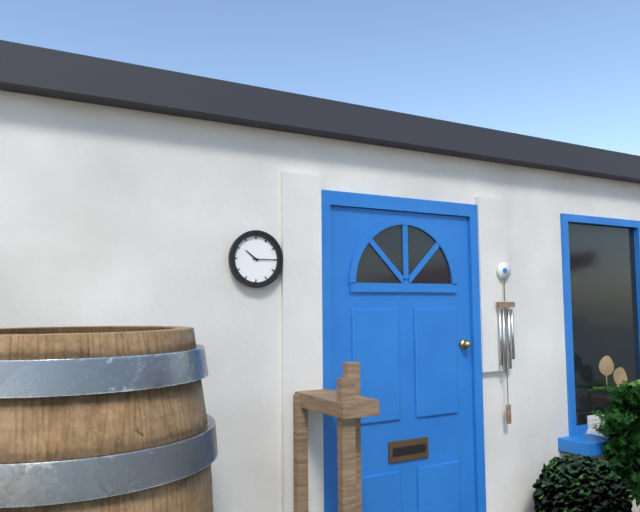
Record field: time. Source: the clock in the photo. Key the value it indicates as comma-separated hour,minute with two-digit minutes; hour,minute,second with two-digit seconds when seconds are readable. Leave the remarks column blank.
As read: 10,15
